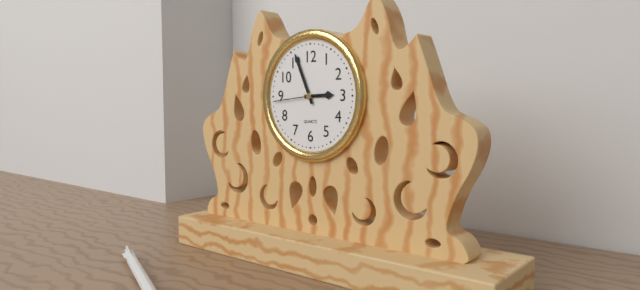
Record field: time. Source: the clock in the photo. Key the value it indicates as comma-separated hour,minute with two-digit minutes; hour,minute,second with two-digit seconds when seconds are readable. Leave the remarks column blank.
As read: 2,56,44
